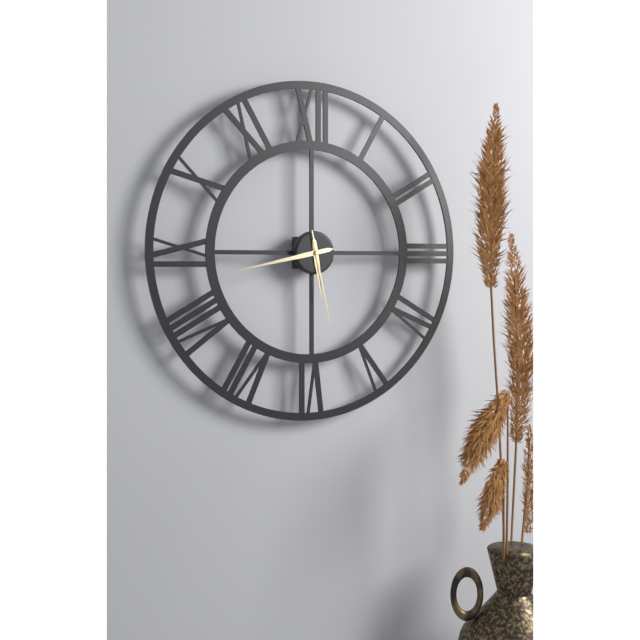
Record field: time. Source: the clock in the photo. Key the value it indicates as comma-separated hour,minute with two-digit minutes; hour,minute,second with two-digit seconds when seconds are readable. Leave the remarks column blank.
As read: 5,43,28
